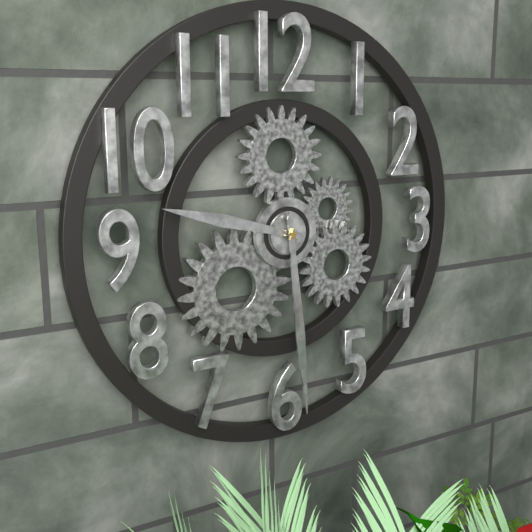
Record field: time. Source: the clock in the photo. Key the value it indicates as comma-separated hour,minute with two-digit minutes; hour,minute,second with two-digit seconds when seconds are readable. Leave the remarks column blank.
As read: 9,29
